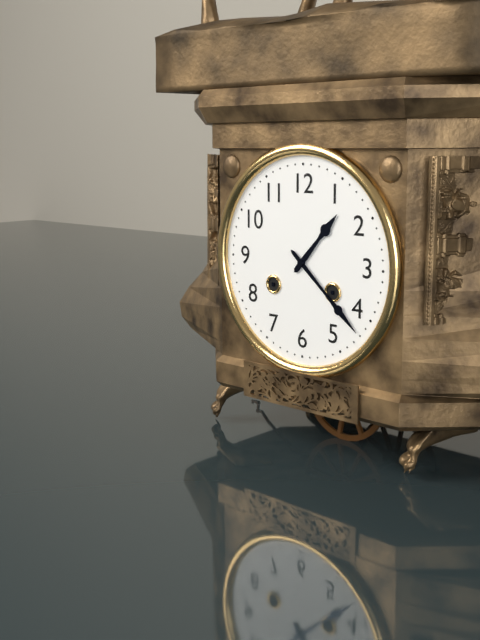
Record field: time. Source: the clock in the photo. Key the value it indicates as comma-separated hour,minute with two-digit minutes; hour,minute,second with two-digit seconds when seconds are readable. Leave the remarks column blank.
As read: 1,22
